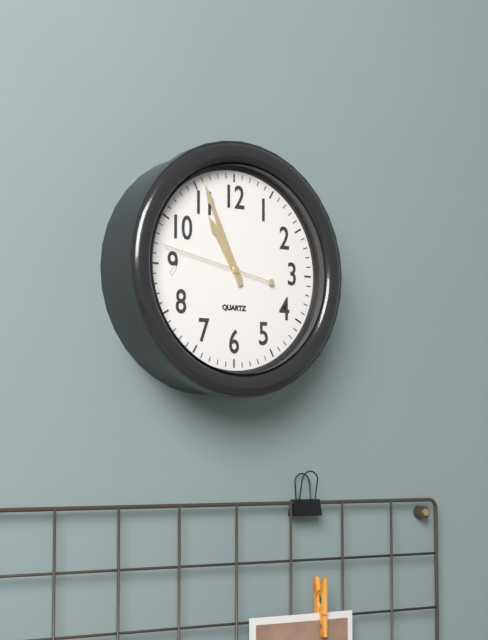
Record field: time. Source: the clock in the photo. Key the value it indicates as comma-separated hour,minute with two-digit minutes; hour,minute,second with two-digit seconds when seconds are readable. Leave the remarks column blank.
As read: 10,56,47
